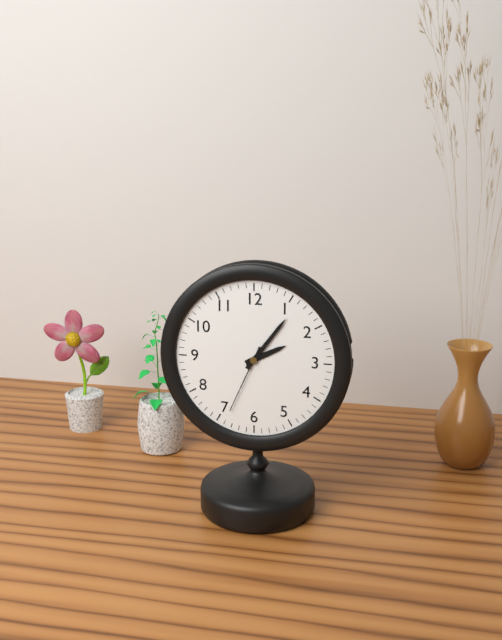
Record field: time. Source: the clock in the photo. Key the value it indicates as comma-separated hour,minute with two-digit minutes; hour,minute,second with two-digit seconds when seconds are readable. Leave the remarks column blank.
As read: 2,06,34
